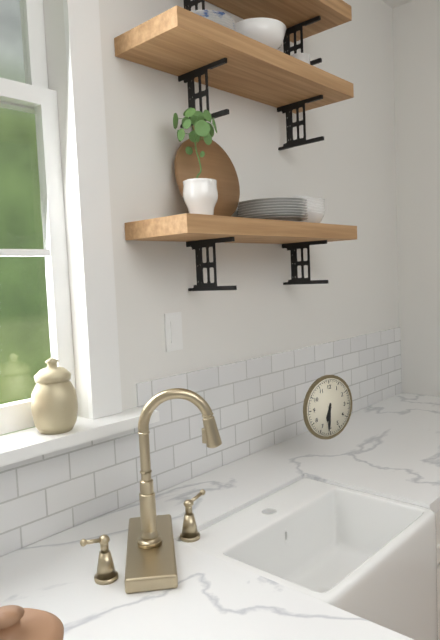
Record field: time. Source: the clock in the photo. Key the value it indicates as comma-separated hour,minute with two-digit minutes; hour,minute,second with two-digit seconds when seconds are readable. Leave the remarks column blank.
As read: 6,31
